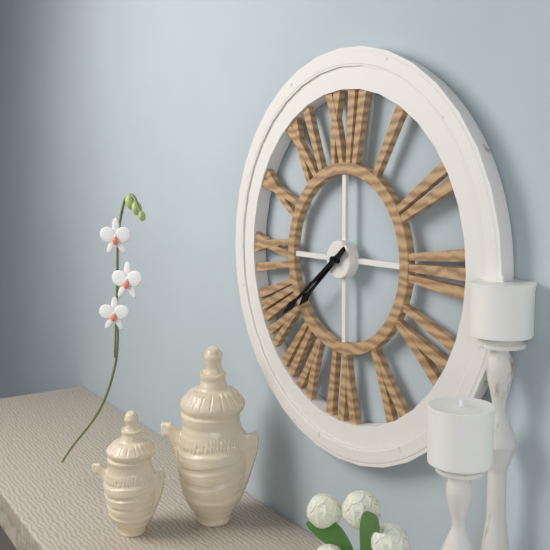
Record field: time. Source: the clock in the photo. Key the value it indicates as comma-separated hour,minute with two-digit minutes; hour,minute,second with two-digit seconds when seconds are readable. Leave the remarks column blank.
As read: 7,39
